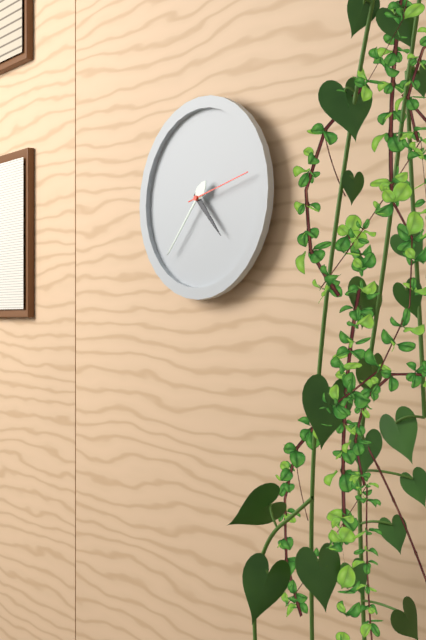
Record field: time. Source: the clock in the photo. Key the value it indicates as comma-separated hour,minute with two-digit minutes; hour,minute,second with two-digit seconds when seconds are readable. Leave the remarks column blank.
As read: 4,37,13
